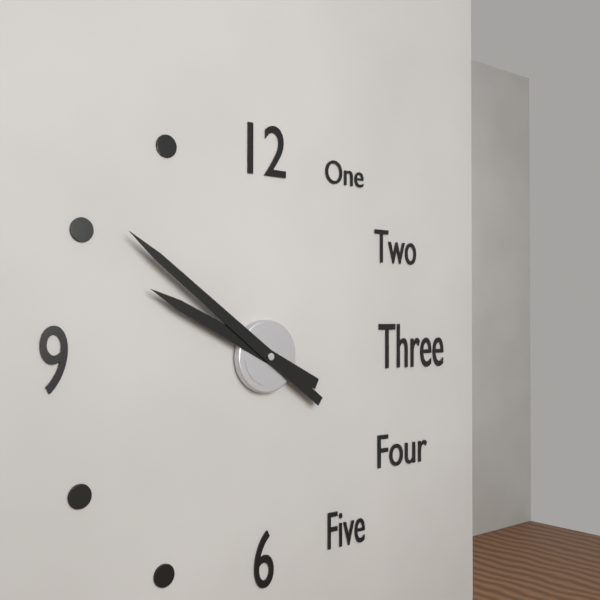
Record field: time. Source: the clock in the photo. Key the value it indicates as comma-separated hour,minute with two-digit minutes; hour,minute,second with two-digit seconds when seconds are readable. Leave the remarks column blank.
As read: 9,51
